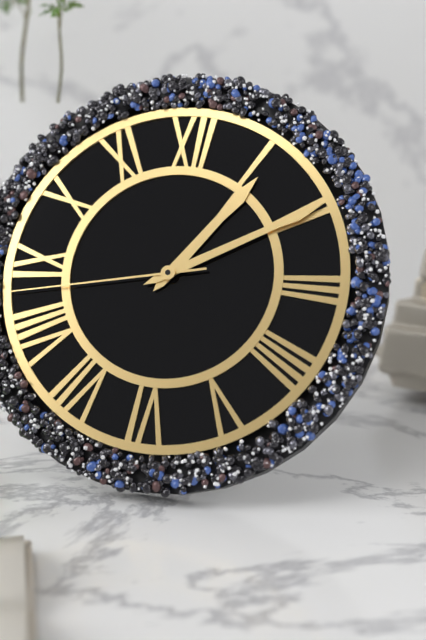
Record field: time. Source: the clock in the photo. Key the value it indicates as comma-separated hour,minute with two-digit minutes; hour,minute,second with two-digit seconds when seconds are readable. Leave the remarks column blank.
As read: 1,10,43
